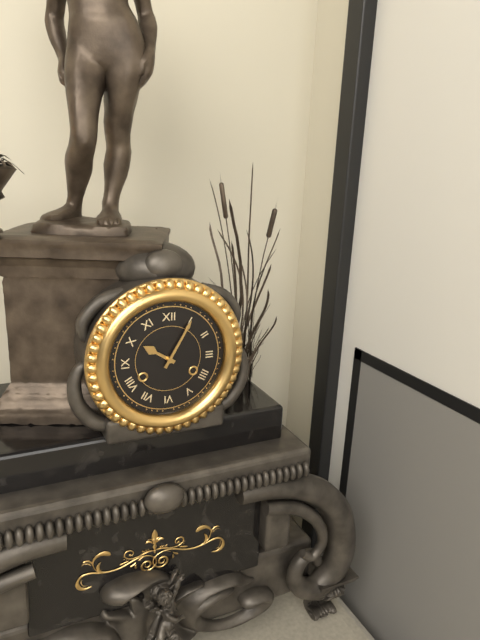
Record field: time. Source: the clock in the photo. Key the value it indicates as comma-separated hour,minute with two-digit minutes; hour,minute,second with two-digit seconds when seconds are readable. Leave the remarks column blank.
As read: 10,05
